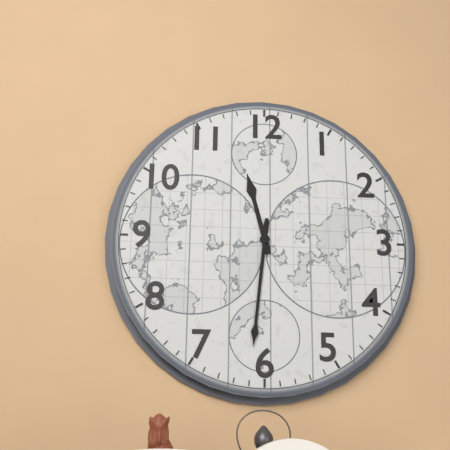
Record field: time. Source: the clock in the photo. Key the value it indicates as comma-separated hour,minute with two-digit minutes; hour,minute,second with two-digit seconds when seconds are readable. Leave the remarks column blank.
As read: 11,31
